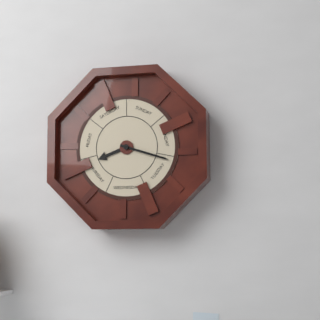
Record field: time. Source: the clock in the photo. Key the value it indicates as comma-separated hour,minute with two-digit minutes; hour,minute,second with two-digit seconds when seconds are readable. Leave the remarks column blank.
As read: 8,18
